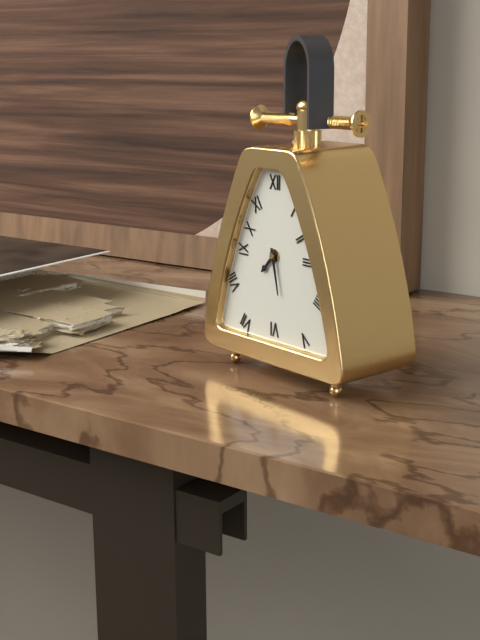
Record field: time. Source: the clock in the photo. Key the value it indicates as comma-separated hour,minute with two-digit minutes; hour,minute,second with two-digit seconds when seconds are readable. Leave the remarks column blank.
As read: 7,28
